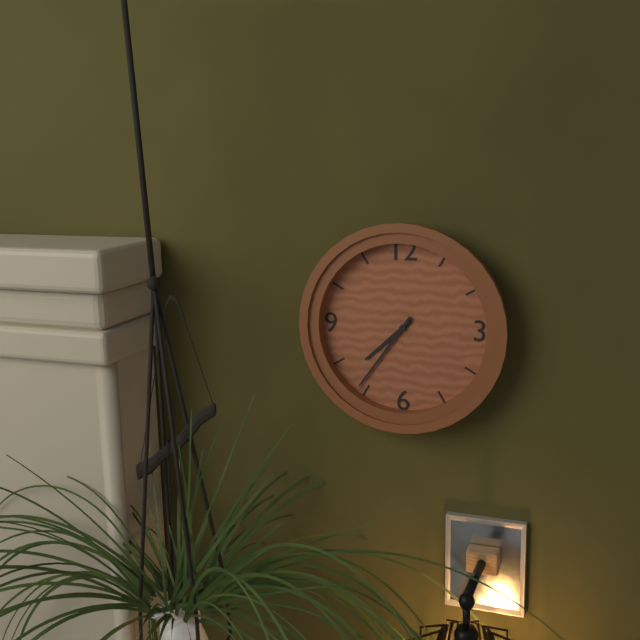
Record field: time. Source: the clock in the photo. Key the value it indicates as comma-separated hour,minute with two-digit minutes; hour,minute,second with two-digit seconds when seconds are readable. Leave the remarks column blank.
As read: 7,36
